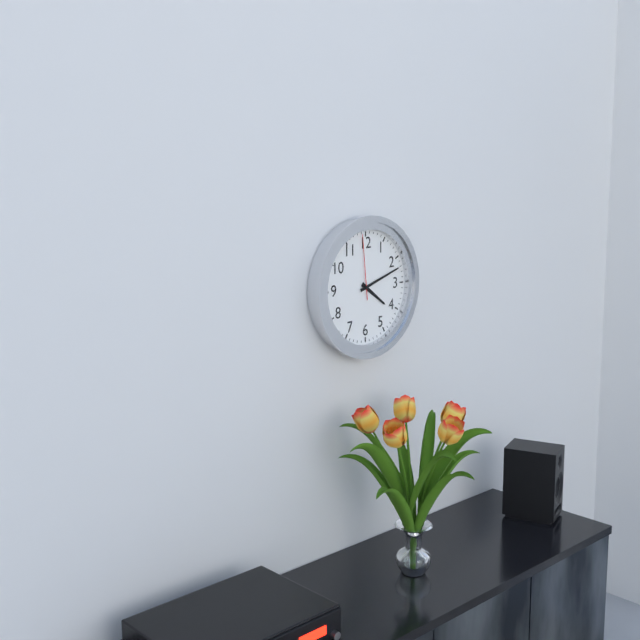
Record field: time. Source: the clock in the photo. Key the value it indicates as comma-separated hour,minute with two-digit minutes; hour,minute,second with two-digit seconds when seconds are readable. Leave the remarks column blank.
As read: 4,12,59
